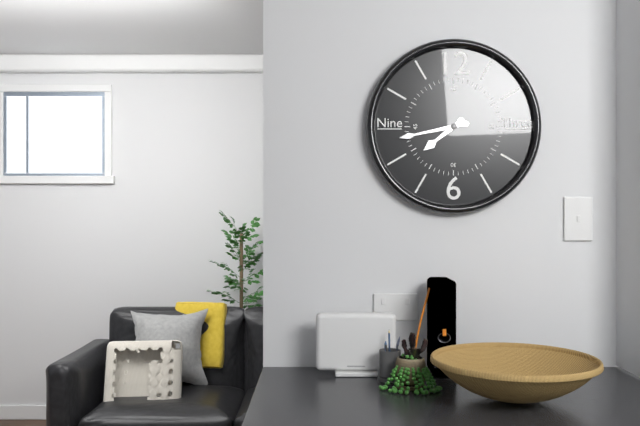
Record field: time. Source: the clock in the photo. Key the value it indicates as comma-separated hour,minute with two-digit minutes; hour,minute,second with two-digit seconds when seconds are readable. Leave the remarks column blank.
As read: 7,43
